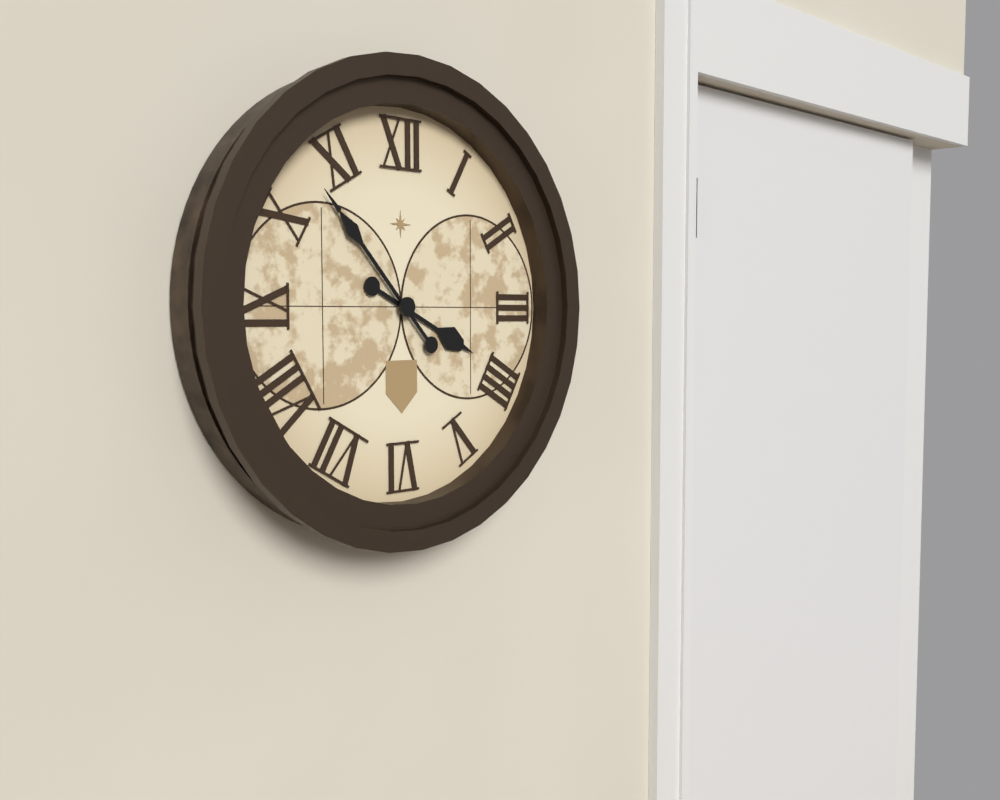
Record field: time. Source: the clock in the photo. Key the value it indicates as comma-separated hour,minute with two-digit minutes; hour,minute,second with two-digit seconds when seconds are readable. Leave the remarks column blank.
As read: 3,53
